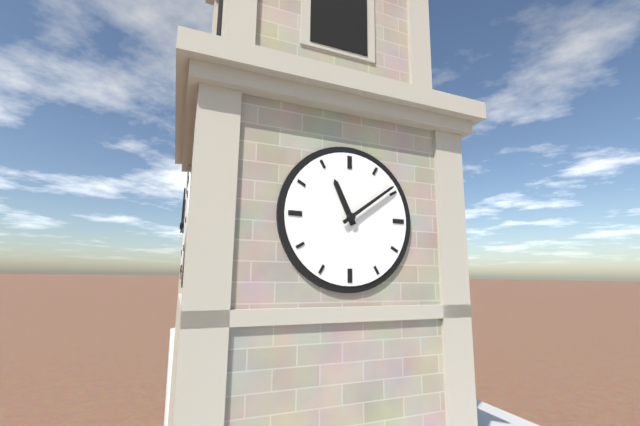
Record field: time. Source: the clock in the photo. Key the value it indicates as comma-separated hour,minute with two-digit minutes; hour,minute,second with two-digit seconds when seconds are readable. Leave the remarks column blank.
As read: 11,09
